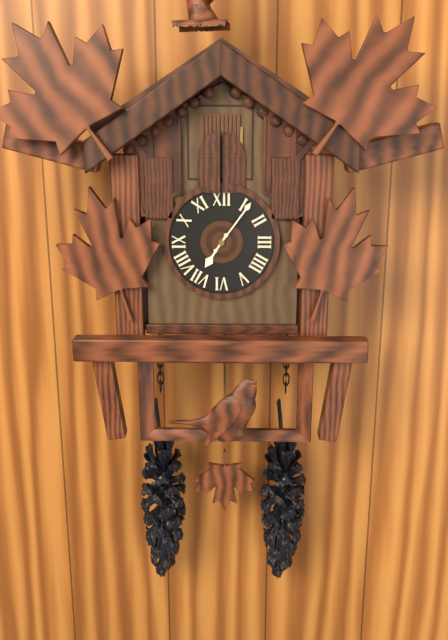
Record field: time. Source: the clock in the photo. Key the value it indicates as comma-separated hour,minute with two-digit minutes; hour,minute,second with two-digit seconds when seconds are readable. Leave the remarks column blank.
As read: 7,06
